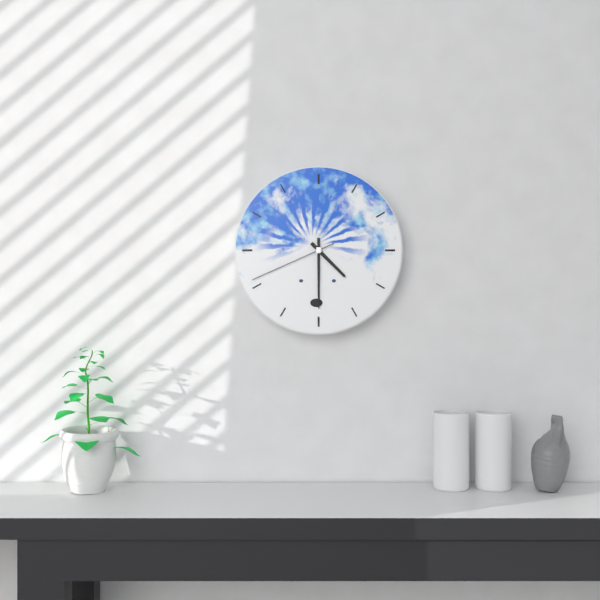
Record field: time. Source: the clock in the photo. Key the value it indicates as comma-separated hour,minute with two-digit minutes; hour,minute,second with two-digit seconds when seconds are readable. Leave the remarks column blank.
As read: 4,30,41
